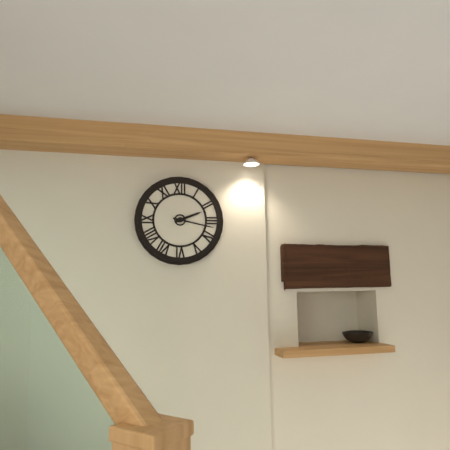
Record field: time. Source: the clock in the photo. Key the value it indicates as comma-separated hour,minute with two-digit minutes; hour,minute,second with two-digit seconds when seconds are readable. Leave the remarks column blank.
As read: 2,17
